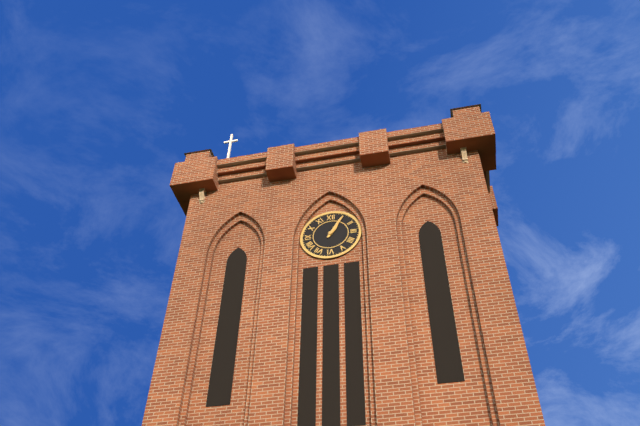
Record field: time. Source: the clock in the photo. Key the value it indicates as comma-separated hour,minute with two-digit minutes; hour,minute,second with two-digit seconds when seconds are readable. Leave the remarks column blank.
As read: 1,05
